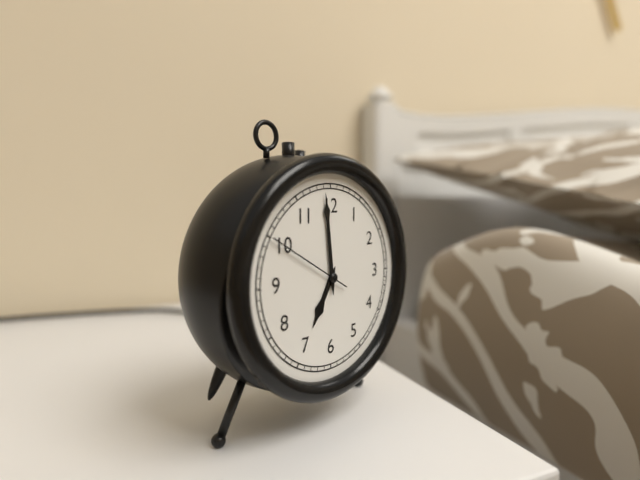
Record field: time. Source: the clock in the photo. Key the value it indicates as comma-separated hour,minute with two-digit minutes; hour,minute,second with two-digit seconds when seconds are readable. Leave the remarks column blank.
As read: 6,59,50
